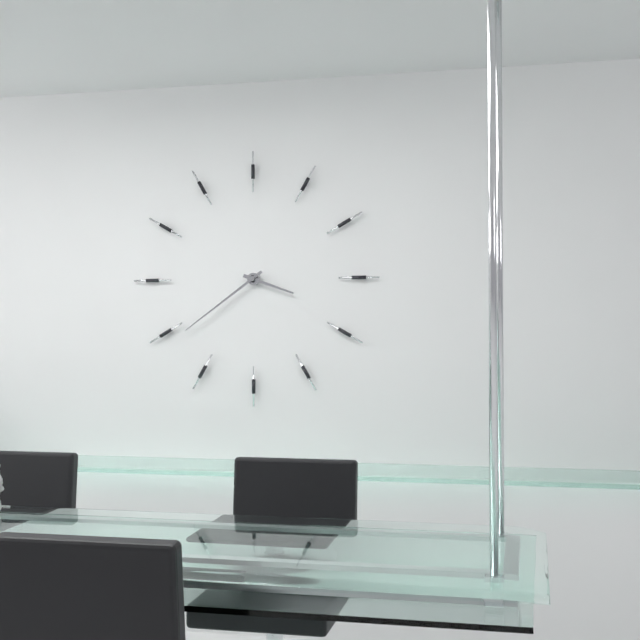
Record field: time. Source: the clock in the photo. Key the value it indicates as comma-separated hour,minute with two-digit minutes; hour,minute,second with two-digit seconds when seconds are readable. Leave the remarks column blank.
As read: 3,39
